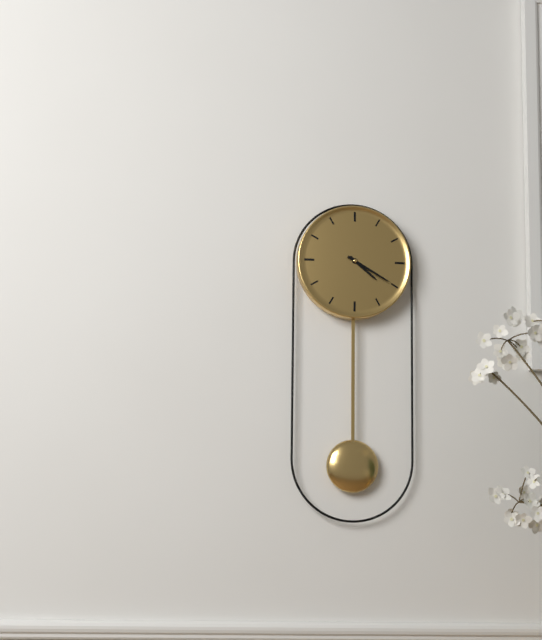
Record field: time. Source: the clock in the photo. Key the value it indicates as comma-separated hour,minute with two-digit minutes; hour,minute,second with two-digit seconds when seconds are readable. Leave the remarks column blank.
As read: 4,20
